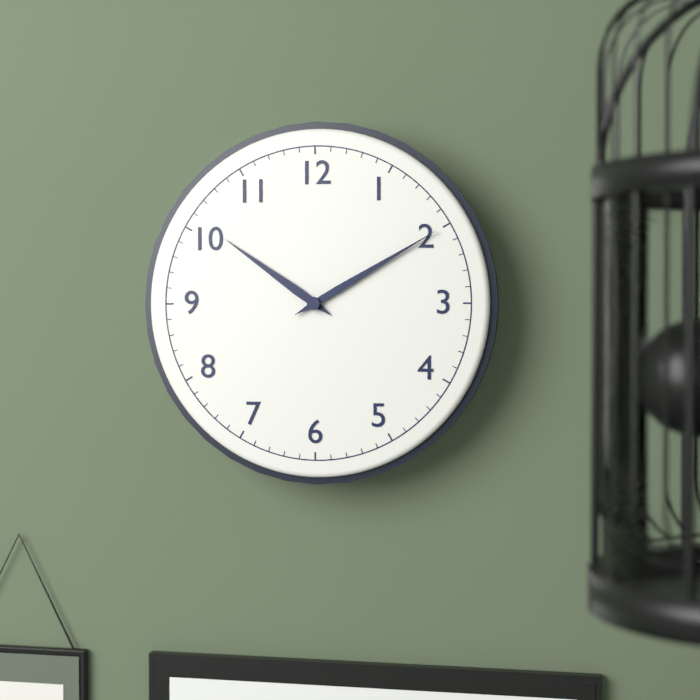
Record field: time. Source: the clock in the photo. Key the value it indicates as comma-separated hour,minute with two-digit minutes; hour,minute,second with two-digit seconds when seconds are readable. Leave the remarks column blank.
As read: 10,10
